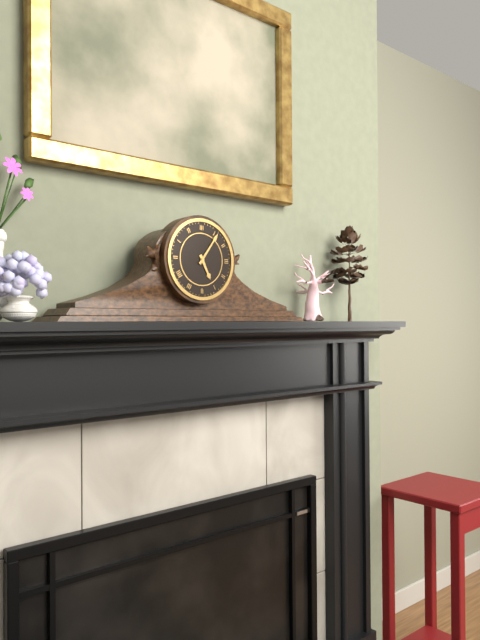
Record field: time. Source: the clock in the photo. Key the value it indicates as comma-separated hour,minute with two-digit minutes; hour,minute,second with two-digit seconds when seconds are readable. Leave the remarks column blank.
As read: 5,06
